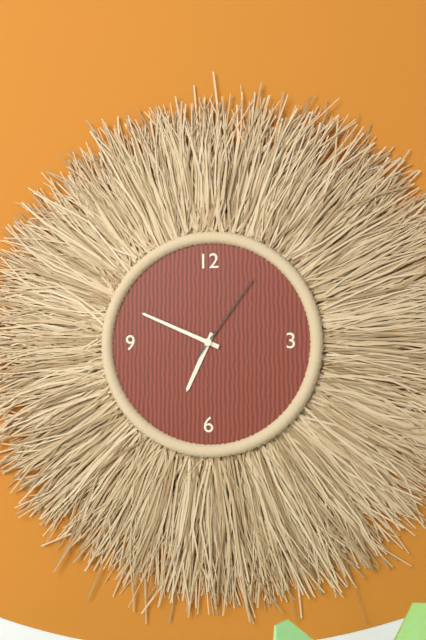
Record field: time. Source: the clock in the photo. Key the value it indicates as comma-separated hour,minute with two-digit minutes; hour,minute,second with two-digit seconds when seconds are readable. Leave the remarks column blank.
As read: 6,49,06
